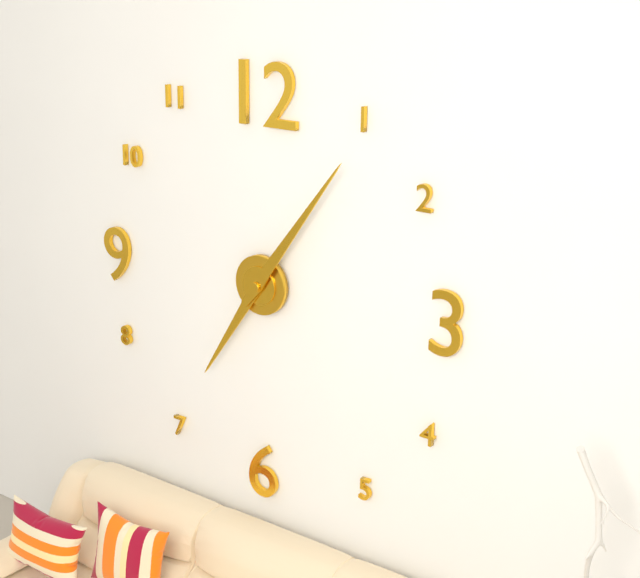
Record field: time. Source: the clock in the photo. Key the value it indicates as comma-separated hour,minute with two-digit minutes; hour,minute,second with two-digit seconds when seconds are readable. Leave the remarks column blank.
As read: 7,06
